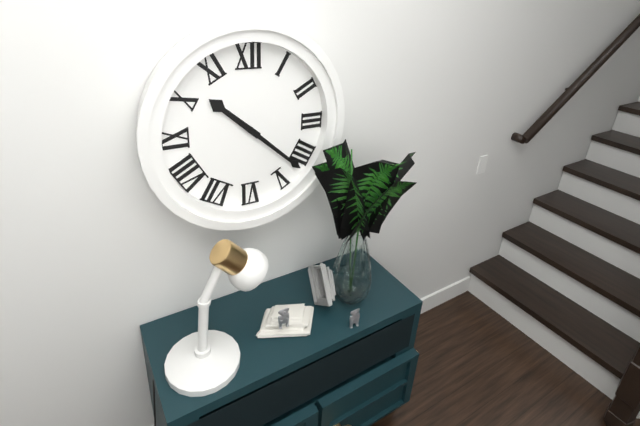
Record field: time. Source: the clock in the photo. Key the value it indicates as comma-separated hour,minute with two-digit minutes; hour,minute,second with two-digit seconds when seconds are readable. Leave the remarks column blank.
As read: 10,22
